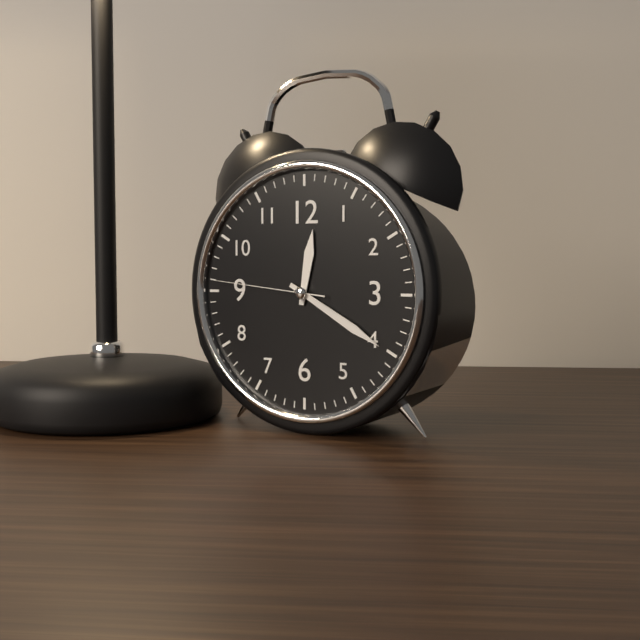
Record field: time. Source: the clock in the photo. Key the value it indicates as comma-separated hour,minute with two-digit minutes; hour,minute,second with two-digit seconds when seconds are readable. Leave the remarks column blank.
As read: 12,20,46
